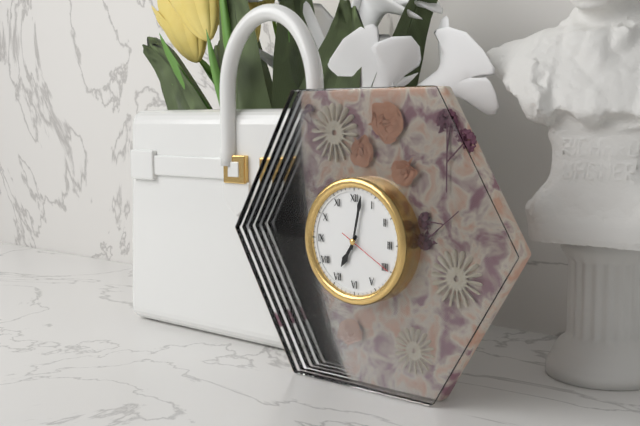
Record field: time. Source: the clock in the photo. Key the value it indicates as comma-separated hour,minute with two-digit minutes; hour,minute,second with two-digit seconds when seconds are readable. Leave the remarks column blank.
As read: 7,02,20
